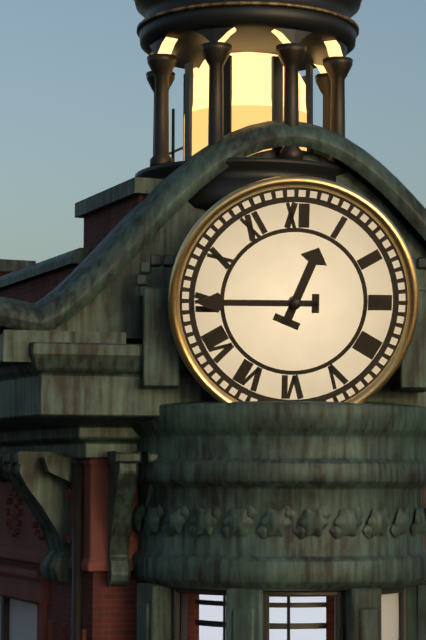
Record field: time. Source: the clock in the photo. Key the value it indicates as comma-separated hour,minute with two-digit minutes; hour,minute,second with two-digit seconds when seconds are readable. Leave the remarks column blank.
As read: 12,45
